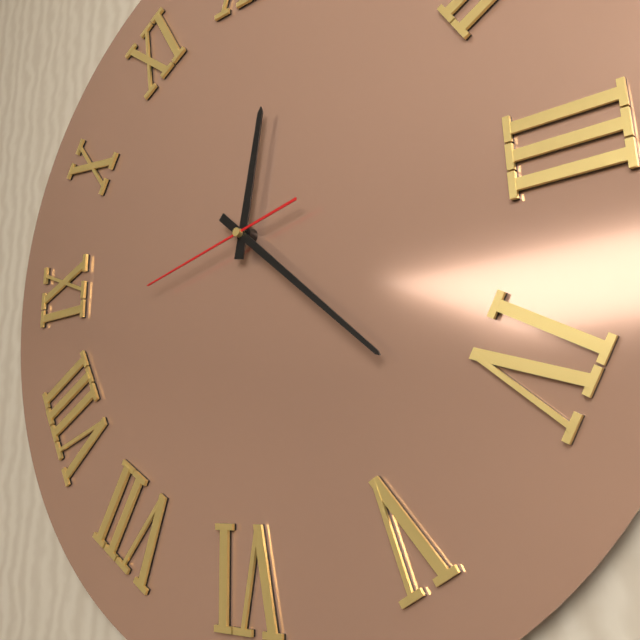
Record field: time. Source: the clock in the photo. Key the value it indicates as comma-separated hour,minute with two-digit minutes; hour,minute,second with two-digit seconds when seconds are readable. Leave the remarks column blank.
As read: 12,22,43
